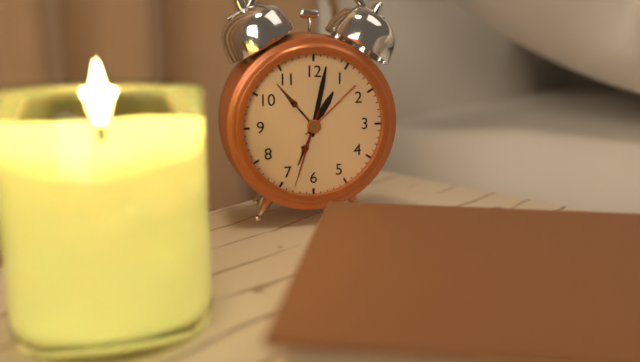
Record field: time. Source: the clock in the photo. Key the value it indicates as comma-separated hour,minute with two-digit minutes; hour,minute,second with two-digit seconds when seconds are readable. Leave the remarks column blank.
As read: 1,02,33
